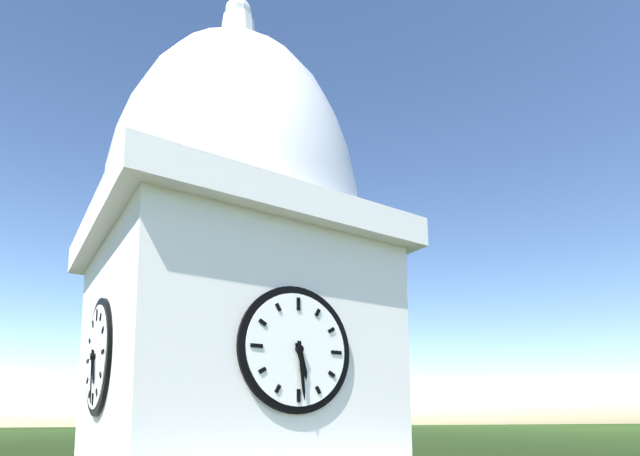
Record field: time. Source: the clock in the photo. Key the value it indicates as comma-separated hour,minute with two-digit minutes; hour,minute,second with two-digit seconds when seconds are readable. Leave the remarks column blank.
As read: 5,29
